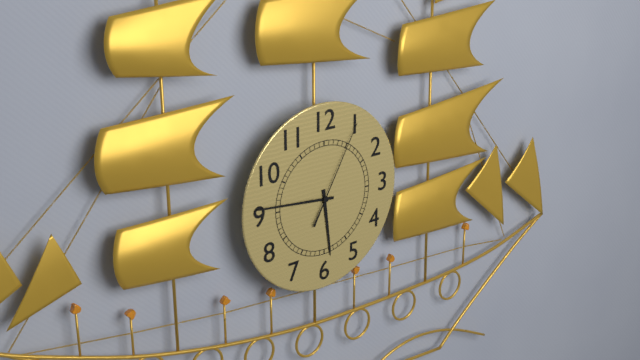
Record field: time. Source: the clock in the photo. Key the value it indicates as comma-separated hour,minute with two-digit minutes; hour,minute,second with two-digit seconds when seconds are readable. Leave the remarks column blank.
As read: 5,46,05
